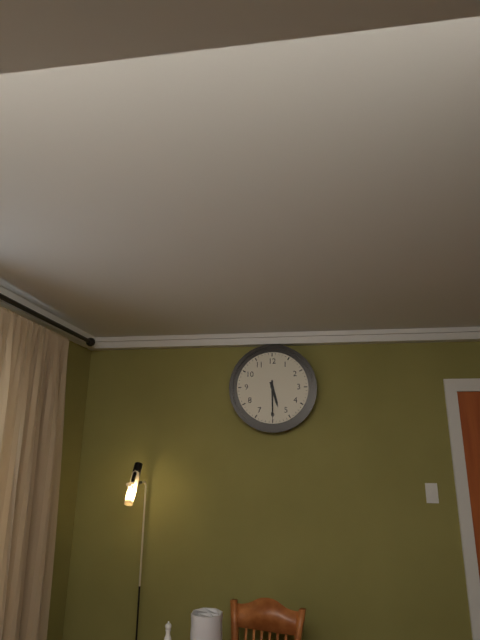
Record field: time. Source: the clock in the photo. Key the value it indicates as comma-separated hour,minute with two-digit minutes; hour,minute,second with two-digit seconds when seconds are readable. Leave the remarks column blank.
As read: 5,30
